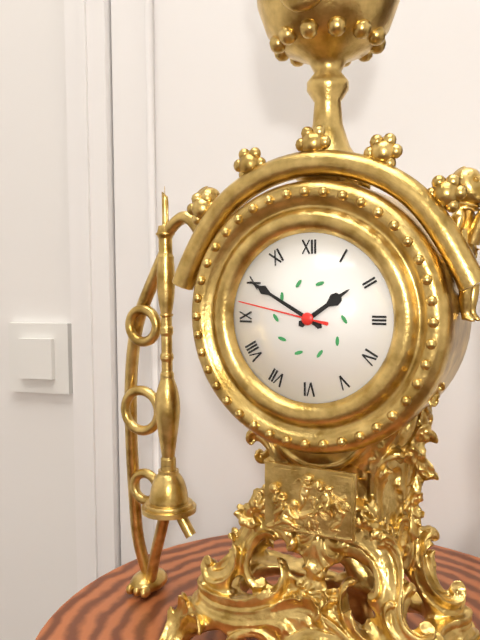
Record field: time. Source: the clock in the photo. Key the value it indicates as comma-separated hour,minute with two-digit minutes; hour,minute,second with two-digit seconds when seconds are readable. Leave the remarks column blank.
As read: 1,50,47
